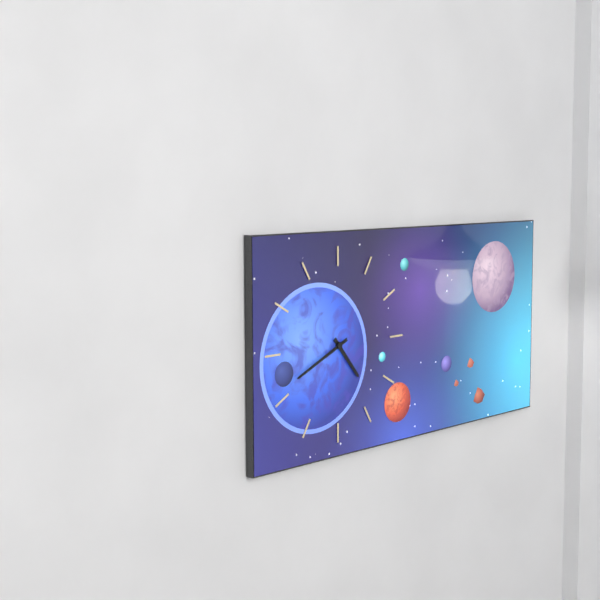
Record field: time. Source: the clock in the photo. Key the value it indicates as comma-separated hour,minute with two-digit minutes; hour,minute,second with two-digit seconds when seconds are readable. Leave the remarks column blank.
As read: 4,41
